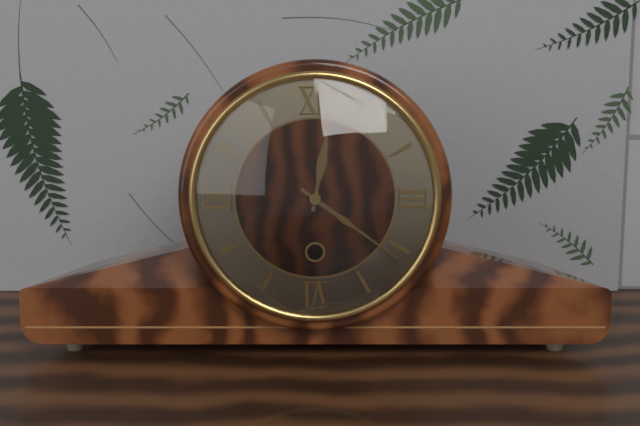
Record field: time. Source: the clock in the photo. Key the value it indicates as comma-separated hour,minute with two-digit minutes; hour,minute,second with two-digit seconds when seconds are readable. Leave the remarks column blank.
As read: 12,21
